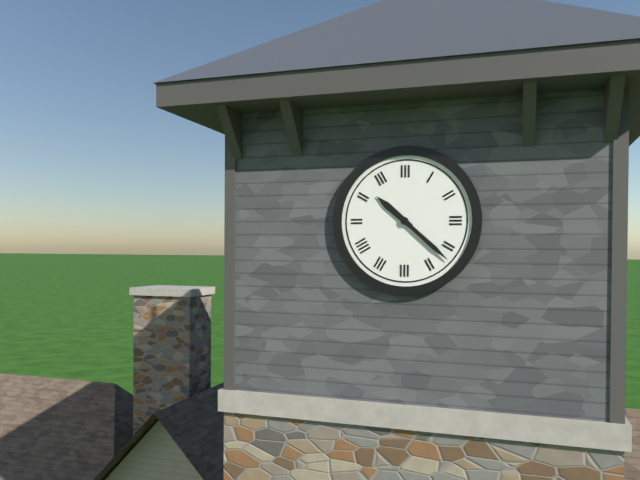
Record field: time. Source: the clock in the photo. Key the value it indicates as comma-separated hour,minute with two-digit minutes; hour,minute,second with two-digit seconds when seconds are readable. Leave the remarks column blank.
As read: 10,22
